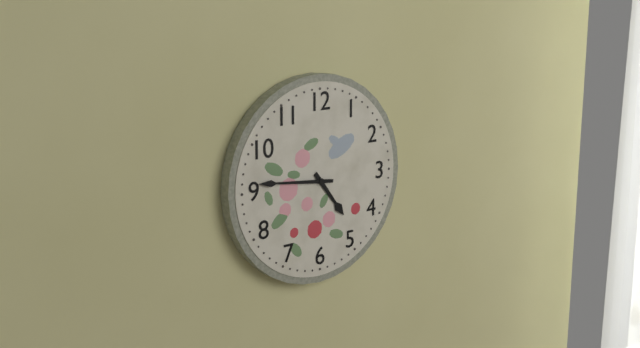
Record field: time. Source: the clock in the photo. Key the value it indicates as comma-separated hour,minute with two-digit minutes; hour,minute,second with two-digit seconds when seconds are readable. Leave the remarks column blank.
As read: 4,46
